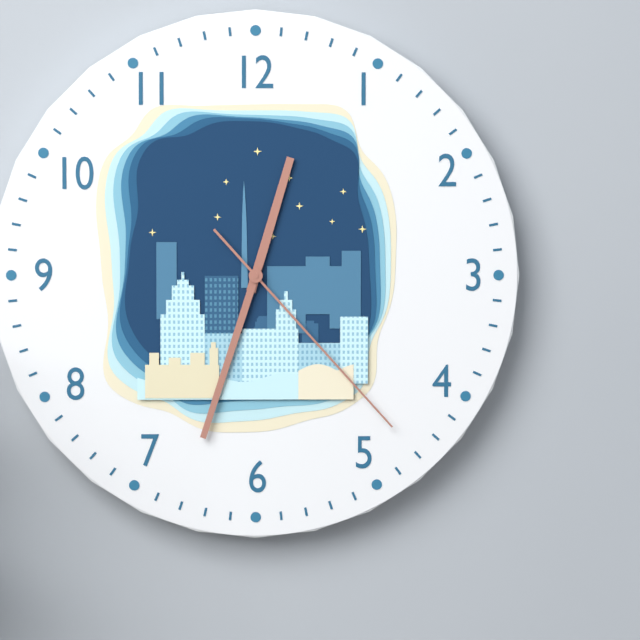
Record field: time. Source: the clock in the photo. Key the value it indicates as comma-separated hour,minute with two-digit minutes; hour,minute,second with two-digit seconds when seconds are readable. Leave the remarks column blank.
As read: 12,33,23
